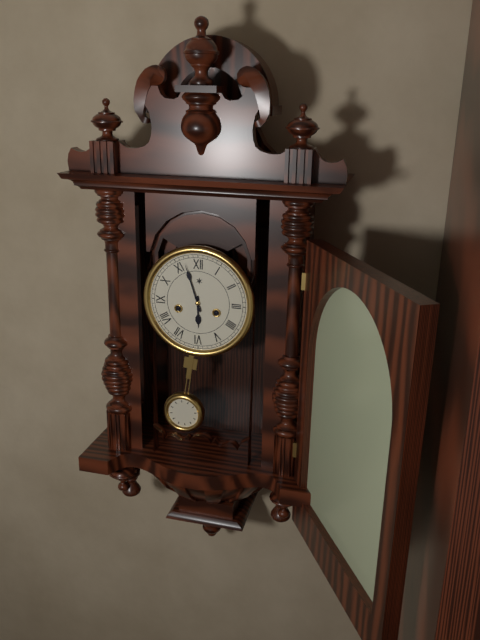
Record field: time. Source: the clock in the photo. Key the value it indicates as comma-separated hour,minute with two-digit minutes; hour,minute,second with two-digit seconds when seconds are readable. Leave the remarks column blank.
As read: 5,57
